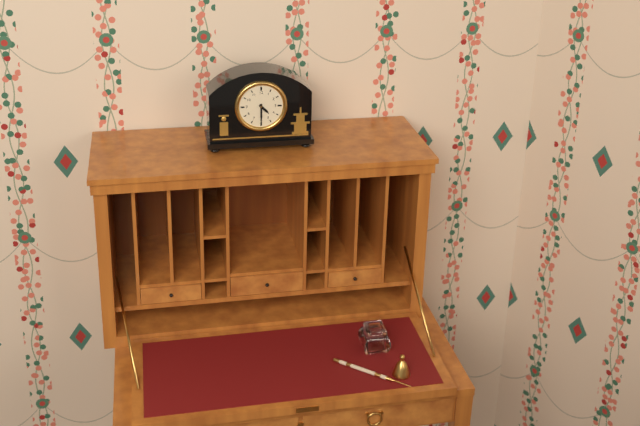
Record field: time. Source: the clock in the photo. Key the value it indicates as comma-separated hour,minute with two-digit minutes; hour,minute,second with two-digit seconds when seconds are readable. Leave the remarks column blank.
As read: 4,30
